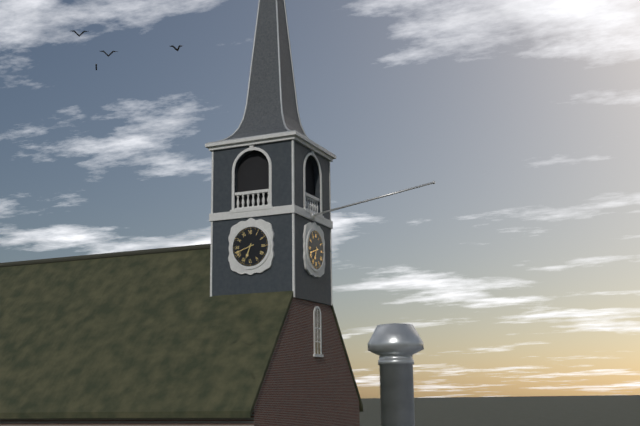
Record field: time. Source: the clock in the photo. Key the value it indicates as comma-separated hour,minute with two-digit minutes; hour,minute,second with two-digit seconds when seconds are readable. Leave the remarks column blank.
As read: 6,42
